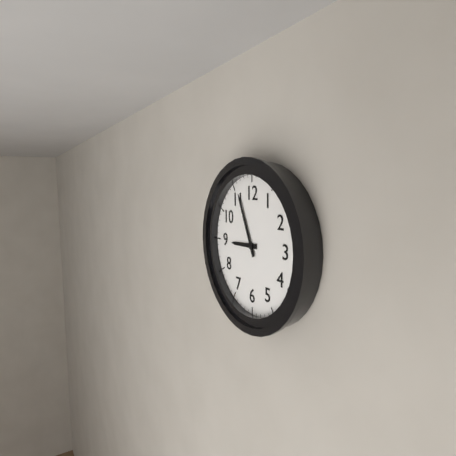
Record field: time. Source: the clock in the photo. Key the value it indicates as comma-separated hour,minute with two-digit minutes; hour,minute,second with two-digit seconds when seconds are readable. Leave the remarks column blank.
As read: 8,56
